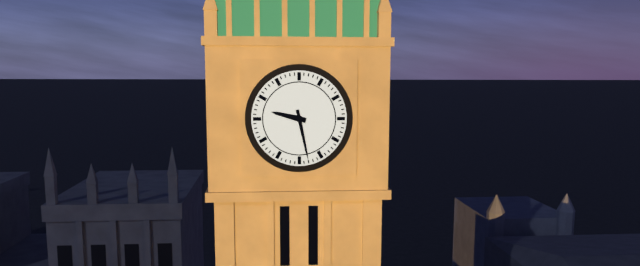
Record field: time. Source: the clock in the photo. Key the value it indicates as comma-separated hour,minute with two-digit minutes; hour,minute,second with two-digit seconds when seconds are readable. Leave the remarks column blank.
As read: 9,28
